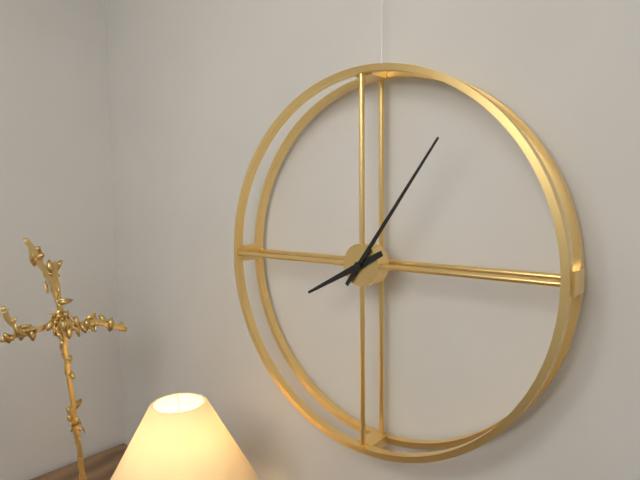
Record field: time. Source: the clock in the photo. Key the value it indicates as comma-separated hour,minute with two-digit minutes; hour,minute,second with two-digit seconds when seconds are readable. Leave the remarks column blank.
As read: 8,06
